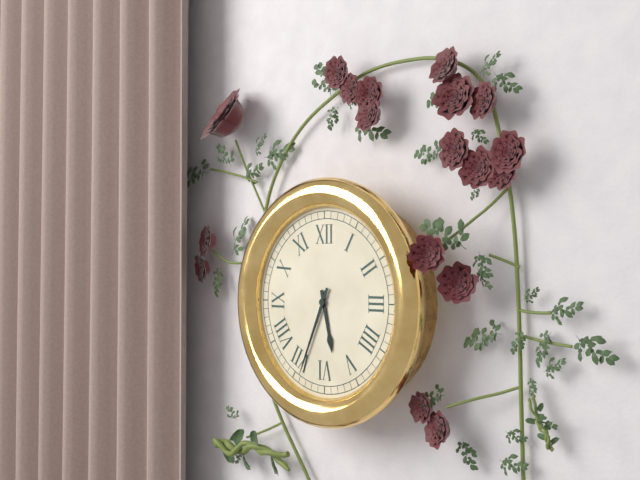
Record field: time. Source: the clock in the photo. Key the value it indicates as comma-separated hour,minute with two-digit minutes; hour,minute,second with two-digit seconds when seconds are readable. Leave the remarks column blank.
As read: 5,34
